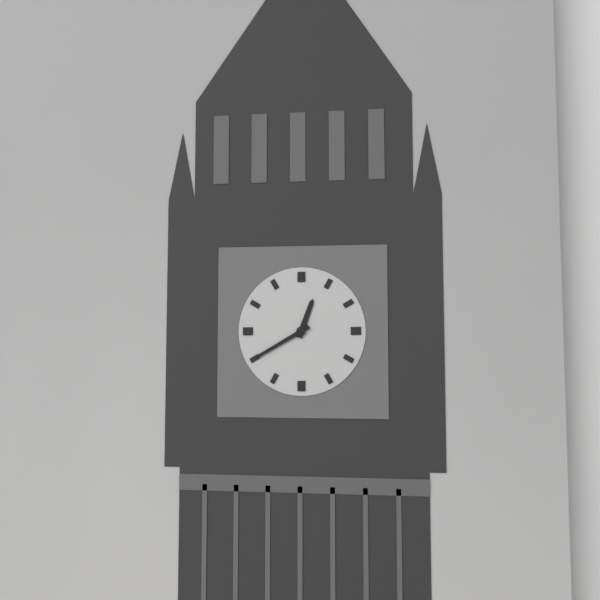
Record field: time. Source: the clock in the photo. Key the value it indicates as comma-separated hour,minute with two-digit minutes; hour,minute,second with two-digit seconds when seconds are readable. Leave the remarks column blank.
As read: 12,40
